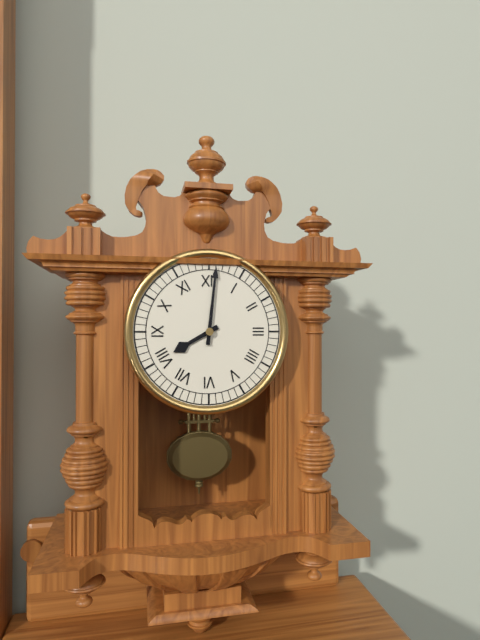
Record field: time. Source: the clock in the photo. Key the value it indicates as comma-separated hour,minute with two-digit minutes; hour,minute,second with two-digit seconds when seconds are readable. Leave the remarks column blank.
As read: 8,01
